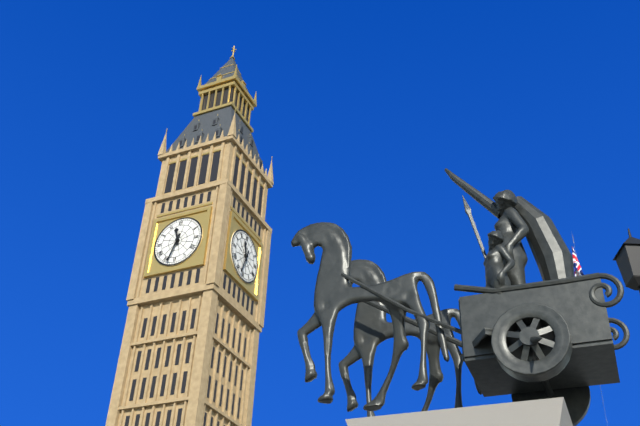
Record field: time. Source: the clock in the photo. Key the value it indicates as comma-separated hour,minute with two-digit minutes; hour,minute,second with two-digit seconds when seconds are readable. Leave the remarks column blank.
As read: 11,33
